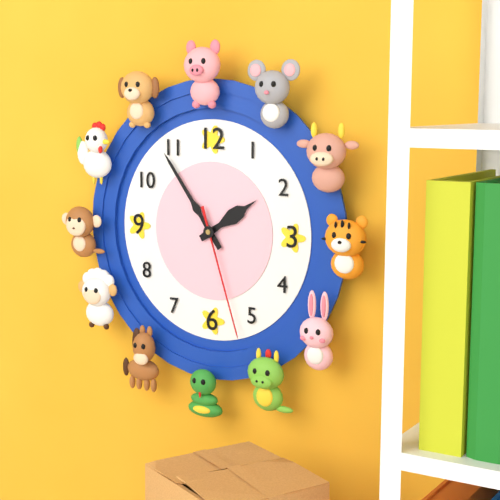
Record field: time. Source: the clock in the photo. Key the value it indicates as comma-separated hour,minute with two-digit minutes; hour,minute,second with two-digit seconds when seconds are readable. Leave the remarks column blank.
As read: 1,54,27
